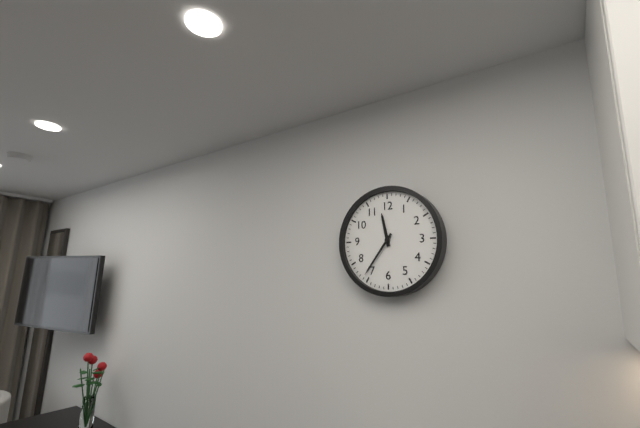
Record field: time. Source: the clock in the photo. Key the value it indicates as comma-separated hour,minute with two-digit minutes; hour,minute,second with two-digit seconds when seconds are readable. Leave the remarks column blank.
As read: 11,36
